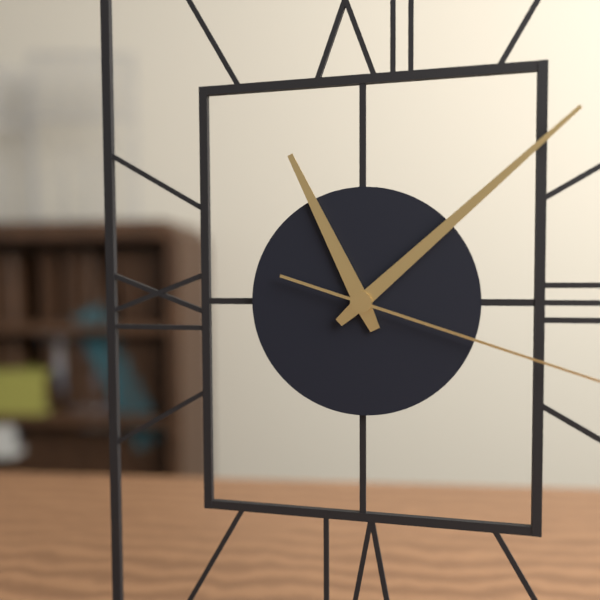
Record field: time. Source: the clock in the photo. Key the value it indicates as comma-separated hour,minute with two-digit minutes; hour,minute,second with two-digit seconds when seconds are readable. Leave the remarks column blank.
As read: 11,08
